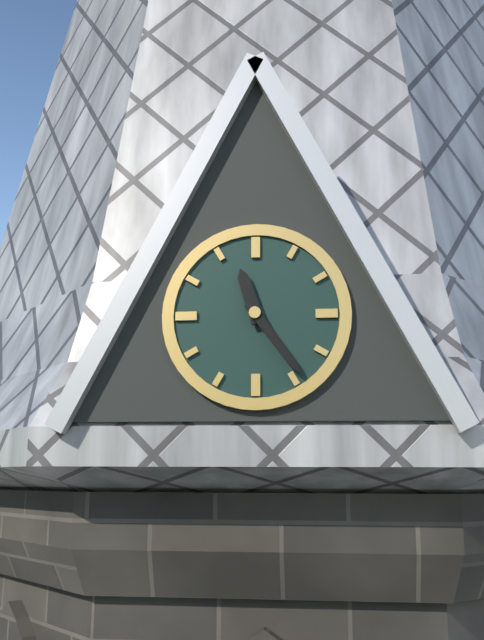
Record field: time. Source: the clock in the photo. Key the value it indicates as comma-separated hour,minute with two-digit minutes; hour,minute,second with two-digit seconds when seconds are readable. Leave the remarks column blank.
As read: 11,24
